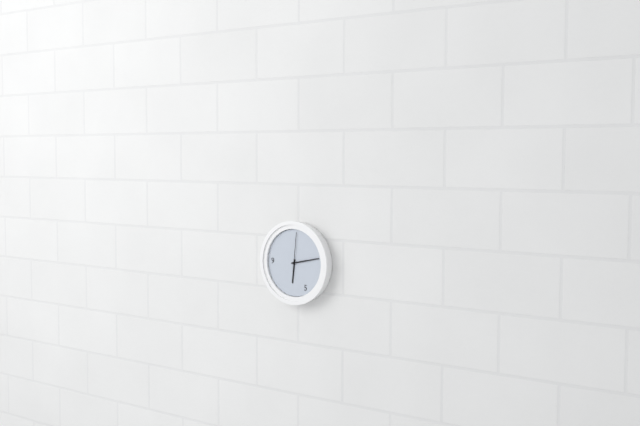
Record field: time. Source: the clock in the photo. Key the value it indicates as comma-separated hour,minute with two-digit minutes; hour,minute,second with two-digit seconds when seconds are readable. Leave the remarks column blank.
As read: 6,13
